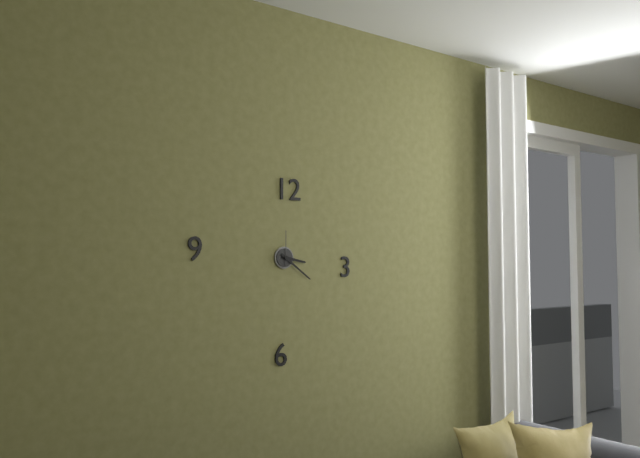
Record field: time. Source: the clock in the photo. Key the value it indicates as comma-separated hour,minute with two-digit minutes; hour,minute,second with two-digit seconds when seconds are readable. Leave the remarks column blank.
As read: 3,21
